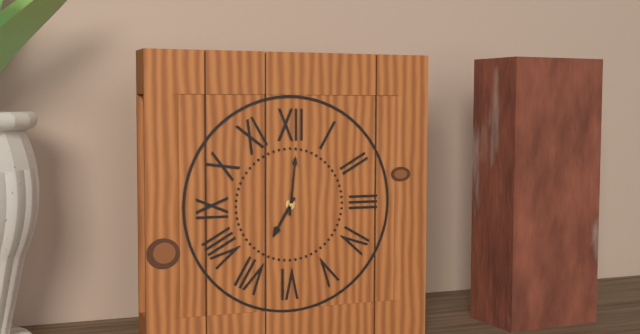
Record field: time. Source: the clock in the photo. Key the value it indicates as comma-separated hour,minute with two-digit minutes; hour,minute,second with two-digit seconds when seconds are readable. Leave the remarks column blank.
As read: 7,01
